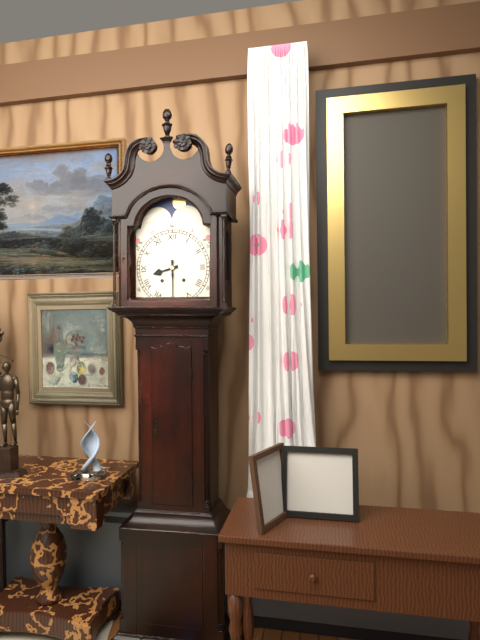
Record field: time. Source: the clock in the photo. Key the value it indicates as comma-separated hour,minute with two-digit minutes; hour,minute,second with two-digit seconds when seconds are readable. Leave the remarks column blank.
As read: 8,30
